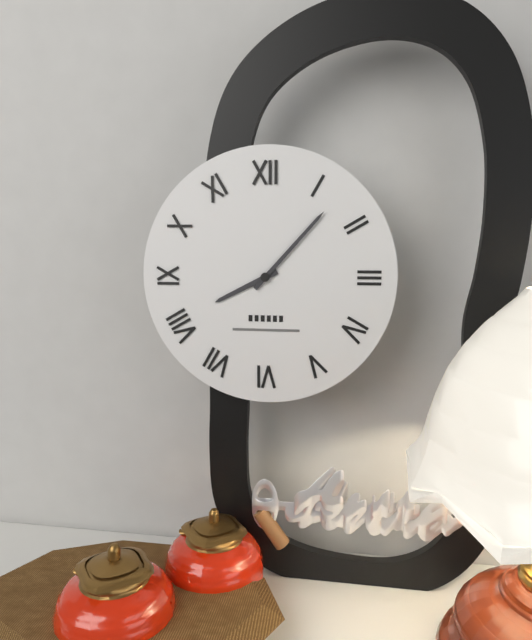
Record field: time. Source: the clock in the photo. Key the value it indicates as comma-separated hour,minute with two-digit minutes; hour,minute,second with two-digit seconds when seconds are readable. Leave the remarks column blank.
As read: 8,07
